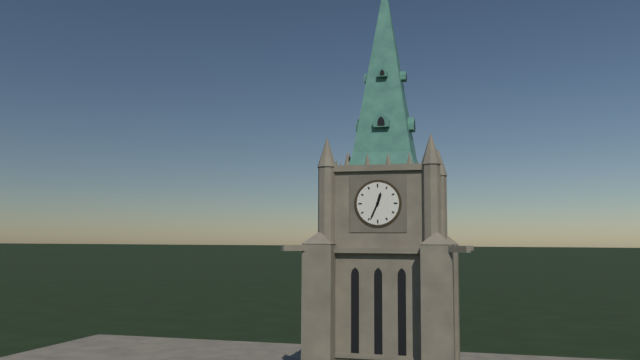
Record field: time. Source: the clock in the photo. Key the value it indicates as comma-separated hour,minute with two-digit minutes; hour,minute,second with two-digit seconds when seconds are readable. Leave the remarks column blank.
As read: 12,34
